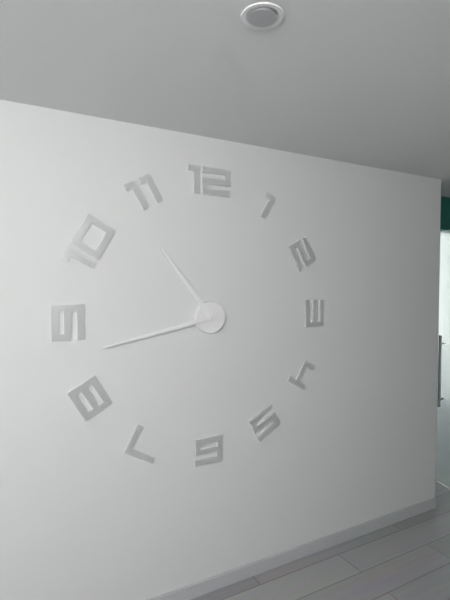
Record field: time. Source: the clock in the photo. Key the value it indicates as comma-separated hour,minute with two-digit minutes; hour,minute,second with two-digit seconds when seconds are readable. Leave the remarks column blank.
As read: 10,43
